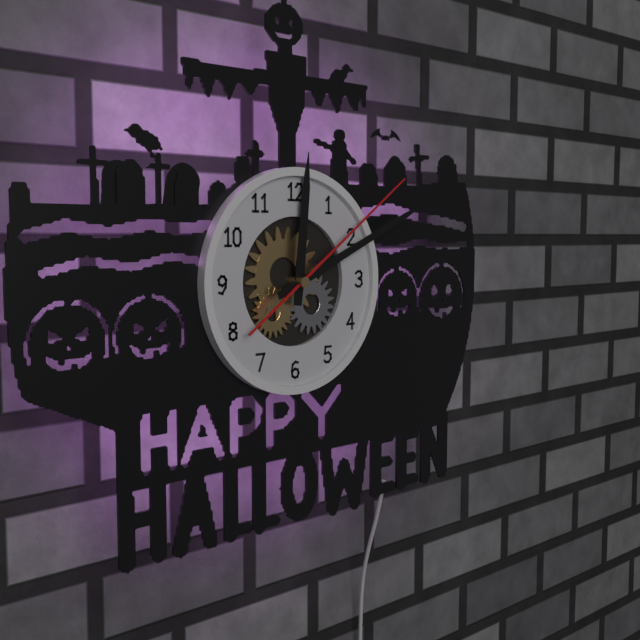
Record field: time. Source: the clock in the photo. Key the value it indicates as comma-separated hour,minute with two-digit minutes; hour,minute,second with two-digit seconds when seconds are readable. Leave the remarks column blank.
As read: 12,11,09
